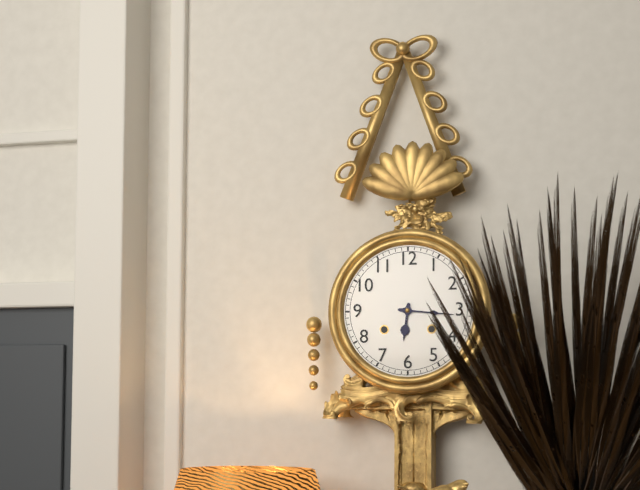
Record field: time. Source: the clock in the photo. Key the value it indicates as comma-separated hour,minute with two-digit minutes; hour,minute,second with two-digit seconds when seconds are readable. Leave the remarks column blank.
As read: 6,16
